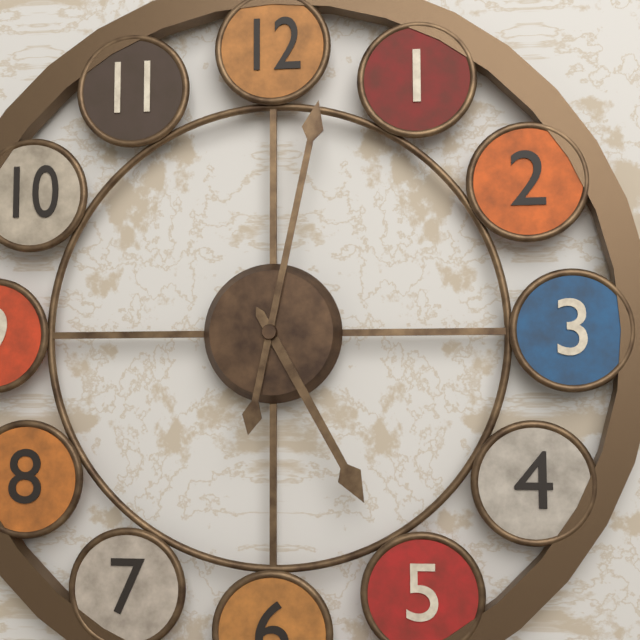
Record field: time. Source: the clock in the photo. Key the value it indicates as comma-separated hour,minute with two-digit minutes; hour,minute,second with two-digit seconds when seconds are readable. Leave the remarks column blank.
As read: 5,02
